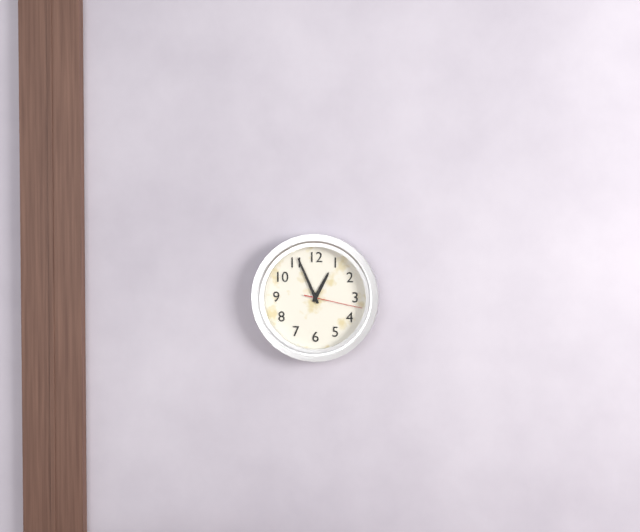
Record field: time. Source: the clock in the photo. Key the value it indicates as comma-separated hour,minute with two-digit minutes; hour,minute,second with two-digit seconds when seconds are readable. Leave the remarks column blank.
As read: 12,56,17
